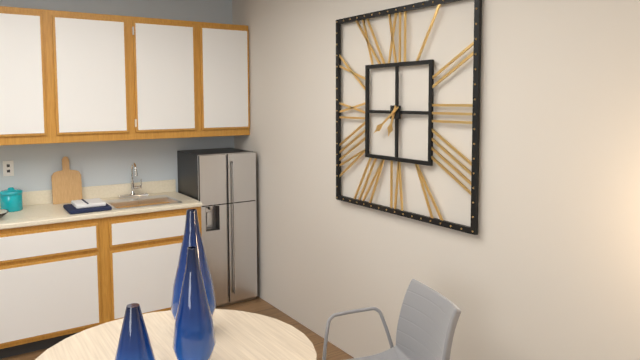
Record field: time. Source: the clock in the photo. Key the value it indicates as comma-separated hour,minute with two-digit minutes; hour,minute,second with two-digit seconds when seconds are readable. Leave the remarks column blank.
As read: 6,39
